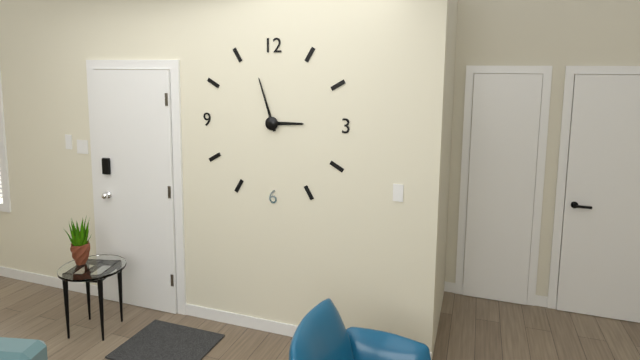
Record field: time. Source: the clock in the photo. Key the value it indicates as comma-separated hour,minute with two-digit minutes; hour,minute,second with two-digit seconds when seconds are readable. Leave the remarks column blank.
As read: 2,57
